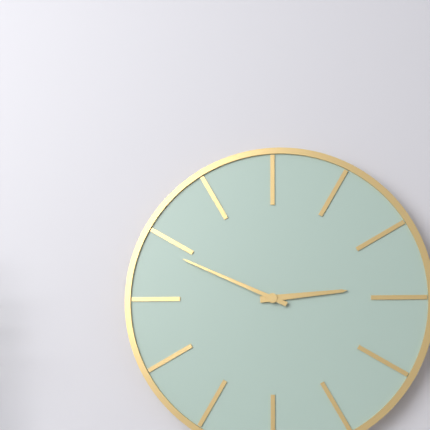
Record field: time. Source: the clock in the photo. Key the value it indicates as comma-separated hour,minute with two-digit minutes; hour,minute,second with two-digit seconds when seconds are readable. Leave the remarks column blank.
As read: 2,49
